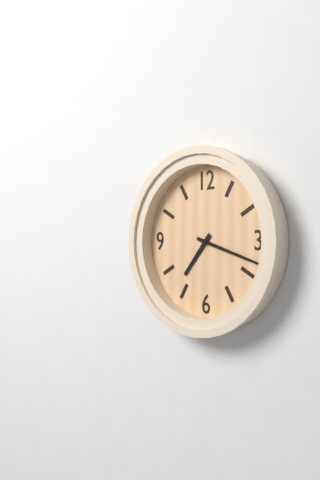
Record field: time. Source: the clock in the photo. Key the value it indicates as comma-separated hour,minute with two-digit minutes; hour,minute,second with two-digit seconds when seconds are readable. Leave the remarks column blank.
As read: 7,18
